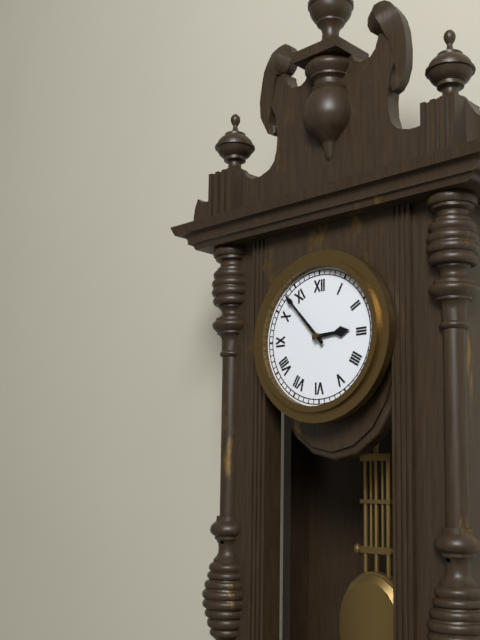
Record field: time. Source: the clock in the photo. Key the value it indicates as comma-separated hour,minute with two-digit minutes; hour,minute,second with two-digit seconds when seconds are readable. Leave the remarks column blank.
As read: 2,53
